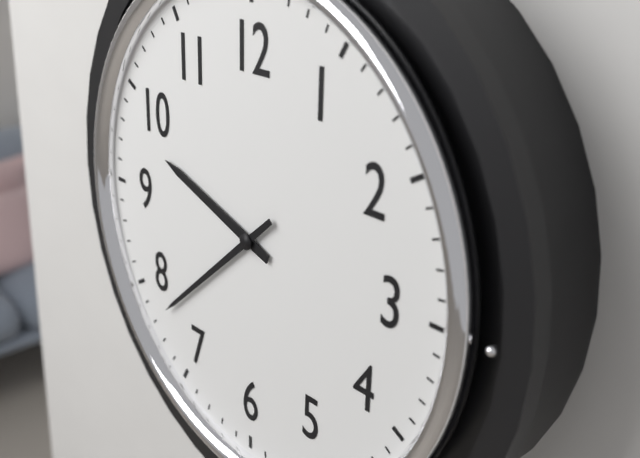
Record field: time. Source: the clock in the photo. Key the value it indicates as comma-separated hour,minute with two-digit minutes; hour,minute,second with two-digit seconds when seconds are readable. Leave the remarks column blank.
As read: 9,38
